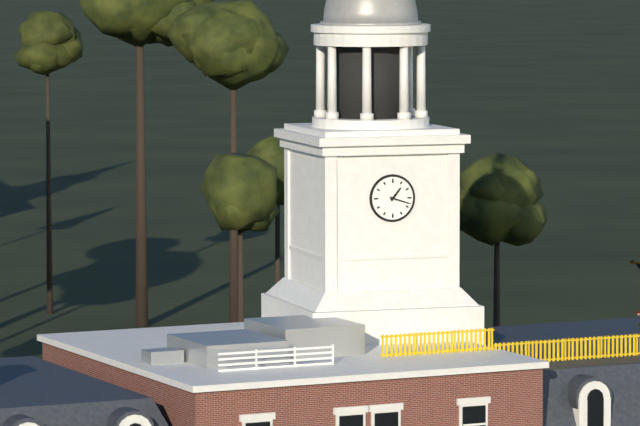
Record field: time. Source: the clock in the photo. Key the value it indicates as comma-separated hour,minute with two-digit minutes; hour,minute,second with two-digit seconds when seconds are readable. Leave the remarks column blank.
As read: 1,18
